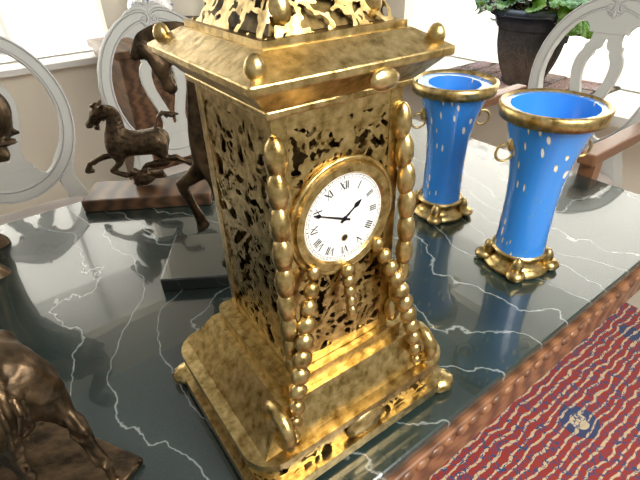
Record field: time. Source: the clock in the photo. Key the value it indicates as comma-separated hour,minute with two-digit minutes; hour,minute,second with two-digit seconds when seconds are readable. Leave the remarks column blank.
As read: 1,49
